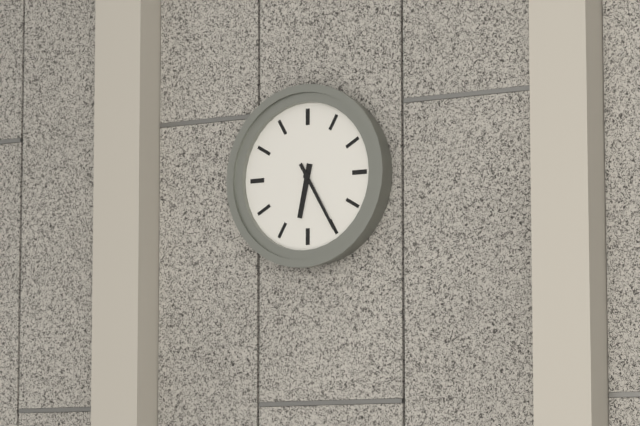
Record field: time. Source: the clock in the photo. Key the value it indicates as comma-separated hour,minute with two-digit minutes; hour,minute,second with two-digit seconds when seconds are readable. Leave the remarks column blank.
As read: 6,25
